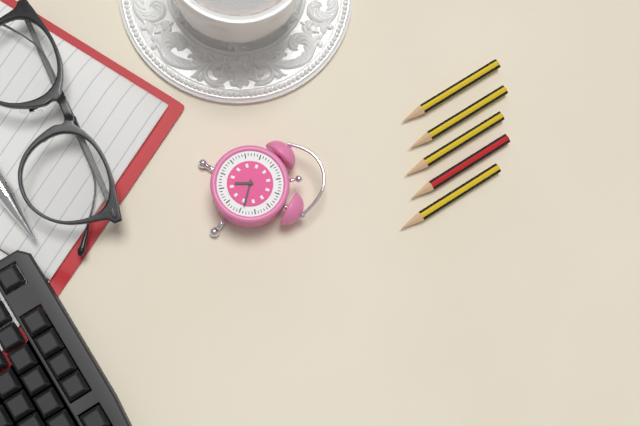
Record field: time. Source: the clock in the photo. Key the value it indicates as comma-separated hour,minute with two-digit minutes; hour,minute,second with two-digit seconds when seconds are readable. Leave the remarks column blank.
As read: 6,19
